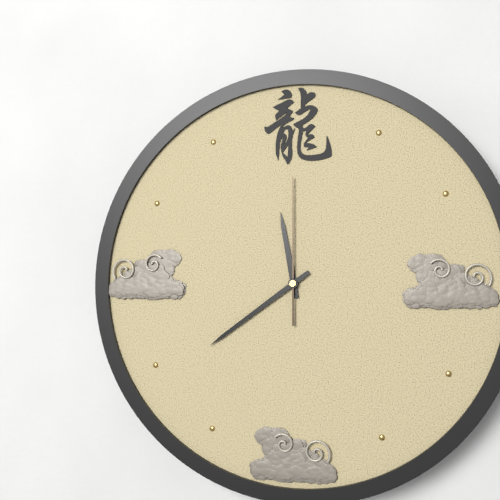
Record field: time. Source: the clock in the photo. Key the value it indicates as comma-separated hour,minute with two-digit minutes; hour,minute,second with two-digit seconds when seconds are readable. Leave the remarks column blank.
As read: 11,39,00
